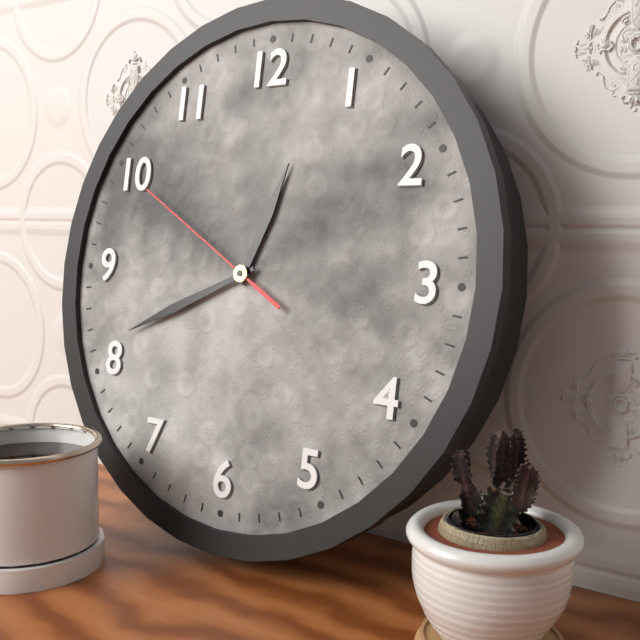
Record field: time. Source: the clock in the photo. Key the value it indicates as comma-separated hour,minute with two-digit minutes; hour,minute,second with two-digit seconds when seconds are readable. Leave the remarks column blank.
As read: 12,41,50
